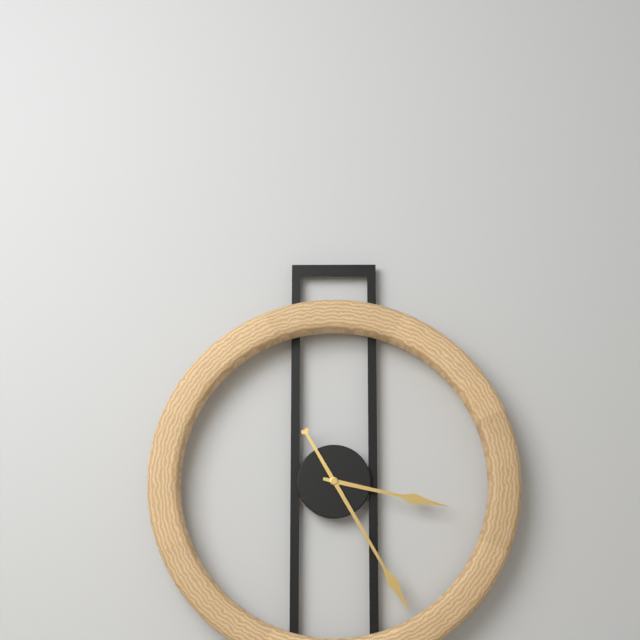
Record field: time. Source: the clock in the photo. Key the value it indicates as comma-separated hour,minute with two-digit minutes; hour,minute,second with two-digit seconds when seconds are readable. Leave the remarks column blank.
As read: 3,25
